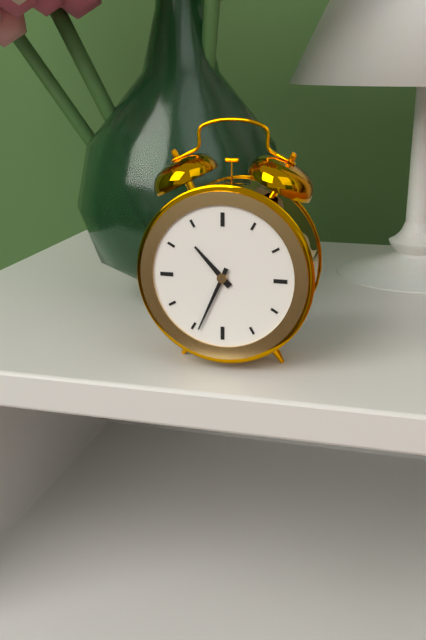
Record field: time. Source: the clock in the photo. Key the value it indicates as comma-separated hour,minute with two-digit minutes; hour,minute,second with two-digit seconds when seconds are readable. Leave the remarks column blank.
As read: 10,34
